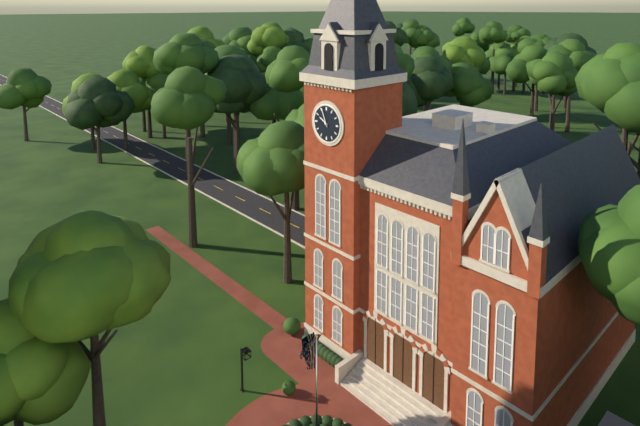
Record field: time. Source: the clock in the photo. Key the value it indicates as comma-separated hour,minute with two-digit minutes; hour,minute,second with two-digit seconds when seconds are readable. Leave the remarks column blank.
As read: 9,56
